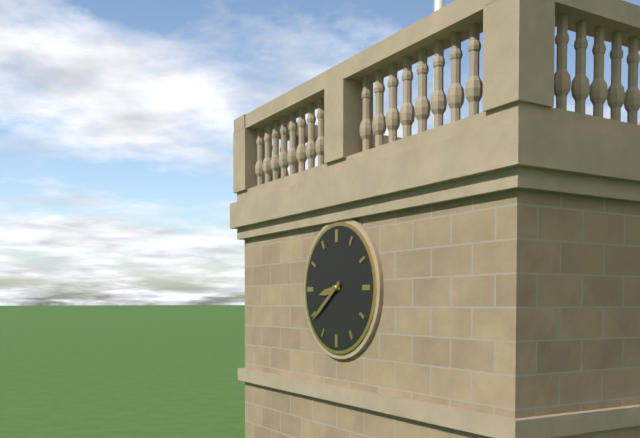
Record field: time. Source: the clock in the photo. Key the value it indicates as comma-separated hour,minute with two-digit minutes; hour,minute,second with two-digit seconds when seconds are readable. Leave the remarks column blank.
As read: 8,39
